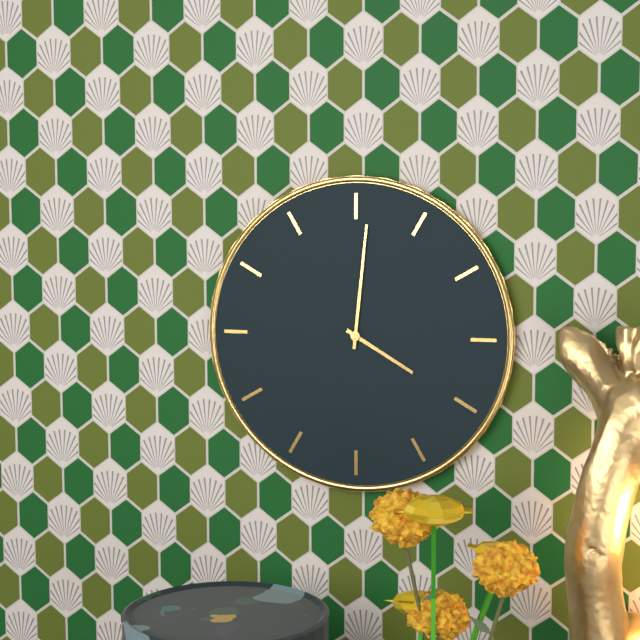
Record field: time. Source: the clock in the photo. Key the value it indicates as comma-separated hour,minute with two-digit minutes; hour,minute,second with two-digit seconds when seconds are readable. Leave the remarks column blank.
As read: 4,01
